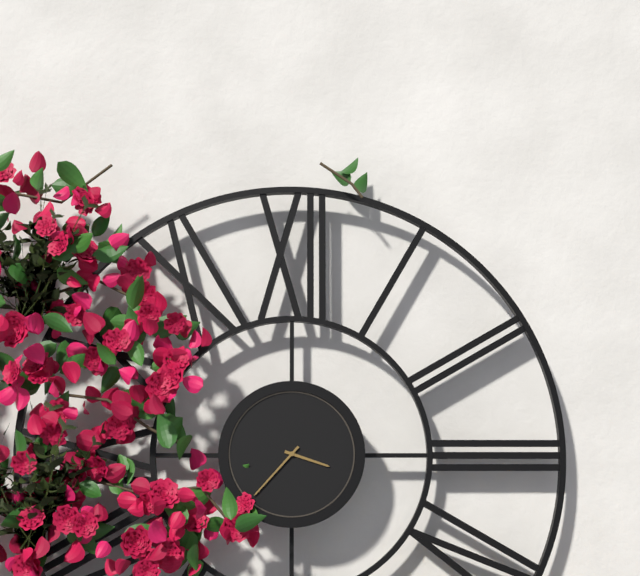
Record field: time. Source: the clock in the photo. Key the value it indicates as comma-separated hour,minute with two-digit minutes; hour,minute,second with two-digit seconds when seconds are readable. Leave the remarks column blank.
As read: 3,37
